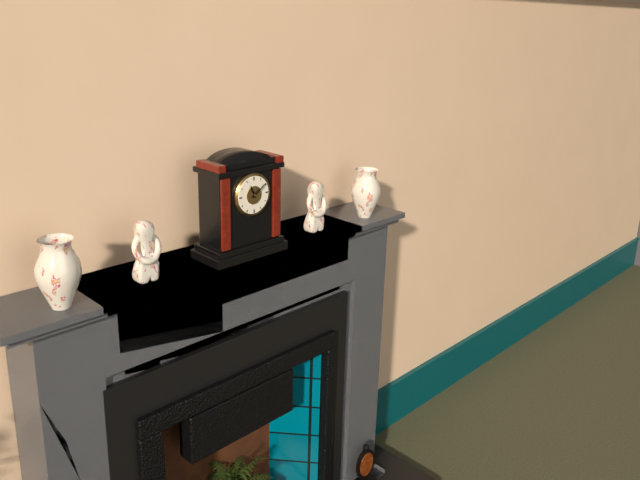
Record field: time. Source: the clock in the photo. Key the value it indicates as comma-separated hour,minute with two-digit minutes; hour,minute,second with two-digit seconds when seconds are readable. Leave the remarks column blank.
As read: 11,09
